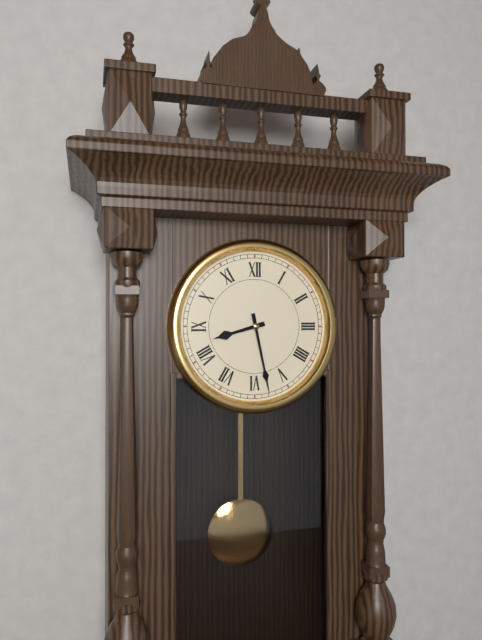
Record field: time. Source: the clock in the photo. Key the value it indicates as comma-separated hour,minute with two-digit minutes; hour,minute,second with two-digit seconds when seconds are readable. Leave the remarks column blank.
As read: 8,28
